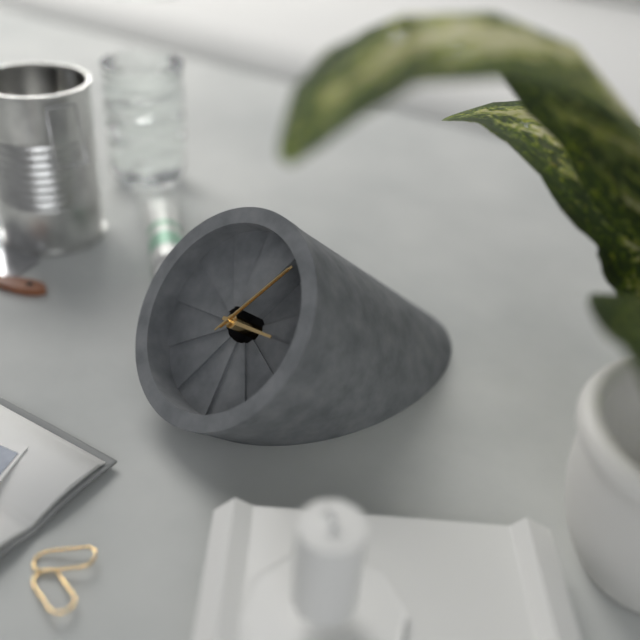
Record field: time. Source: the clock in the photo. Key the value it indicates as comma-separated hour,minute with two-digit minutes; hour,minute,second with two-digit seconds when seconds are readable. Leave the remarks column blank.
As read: 2,01,01
